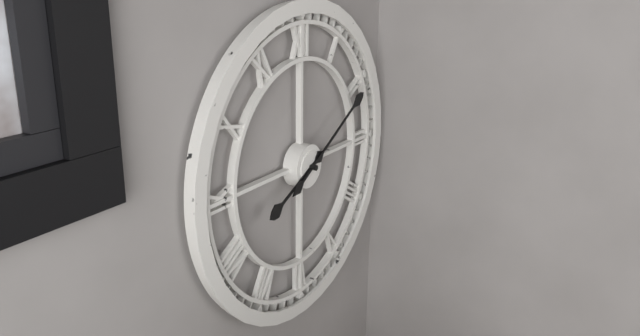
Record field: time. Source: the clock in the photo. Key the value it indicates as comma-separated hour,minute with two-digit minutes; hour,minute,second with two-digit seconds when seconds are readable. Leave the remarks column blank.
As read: 8,10
